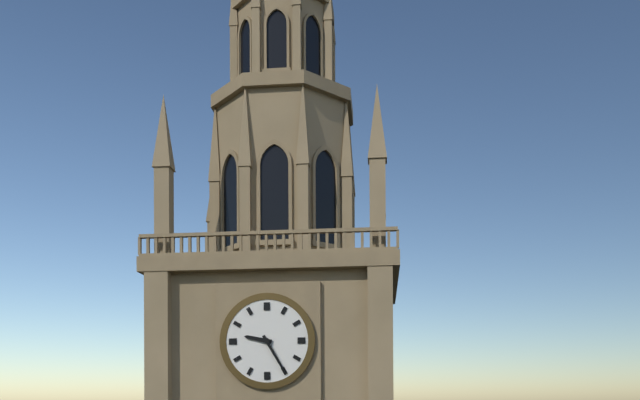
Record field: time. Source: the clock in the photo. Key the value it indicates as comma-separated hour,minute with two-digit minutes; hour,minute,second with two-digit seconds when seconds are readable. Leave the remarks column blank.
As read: 9,25
